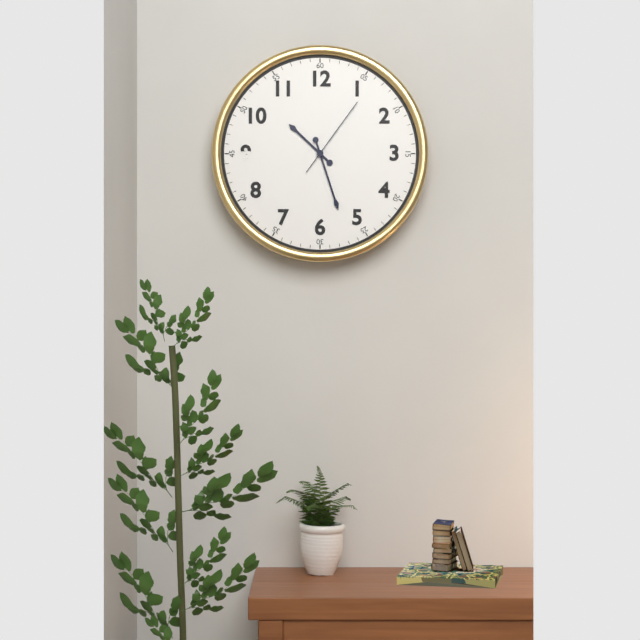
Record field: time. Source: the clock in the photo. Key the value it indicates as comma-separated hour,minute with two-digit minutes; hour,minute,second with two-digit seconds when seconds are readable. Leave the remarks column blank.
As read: 10,27,06
